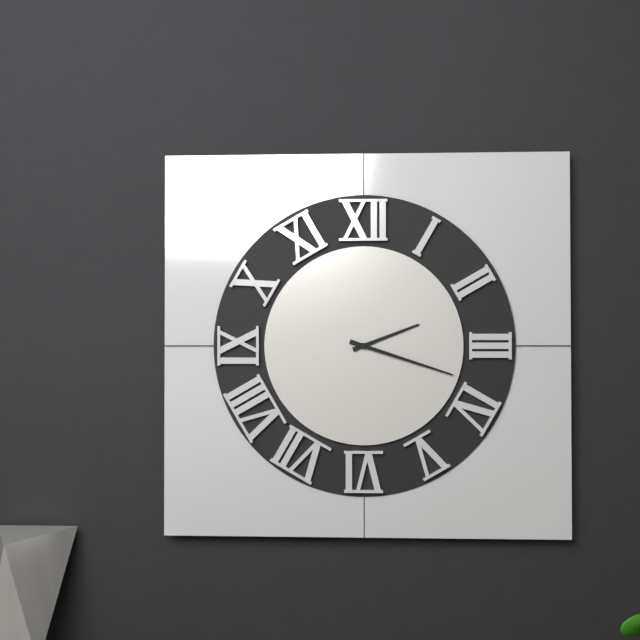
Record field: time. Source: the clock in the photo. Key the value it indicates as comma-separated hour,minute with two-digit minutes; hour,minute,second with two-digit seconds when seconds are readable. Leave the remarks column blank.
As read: 2,18
